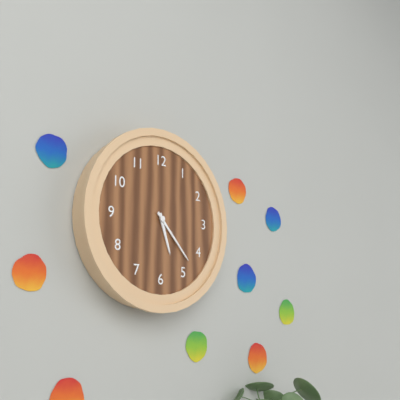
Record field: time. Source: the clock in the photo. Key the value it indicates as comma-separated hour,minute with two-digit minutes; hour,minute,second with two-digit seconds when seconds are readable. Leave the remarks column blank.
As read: 5,23
